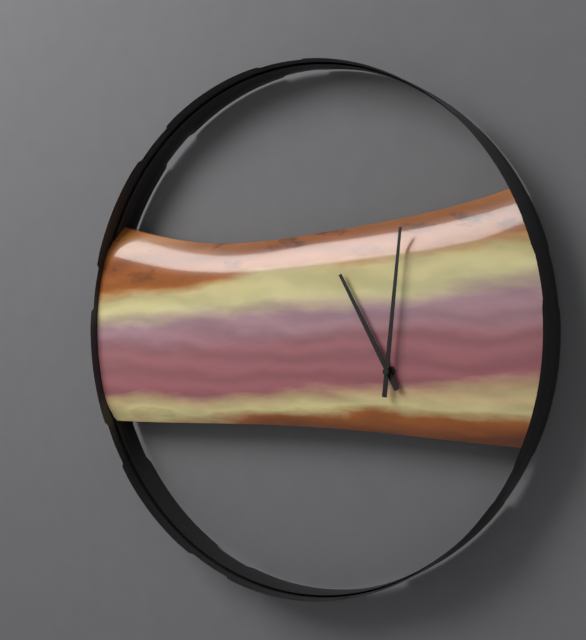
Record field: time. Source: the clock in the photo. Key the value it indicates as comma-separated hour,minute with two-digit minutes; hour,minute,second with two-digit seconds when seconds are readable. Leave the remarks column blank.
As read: 11,01
